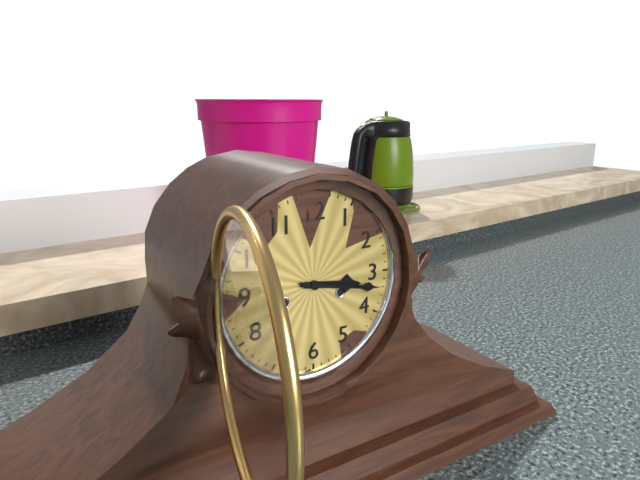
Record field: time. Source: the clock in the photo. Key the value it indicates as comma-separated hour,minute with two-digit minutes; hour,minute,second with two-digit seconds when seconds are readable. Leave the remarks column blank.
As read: 3,17
